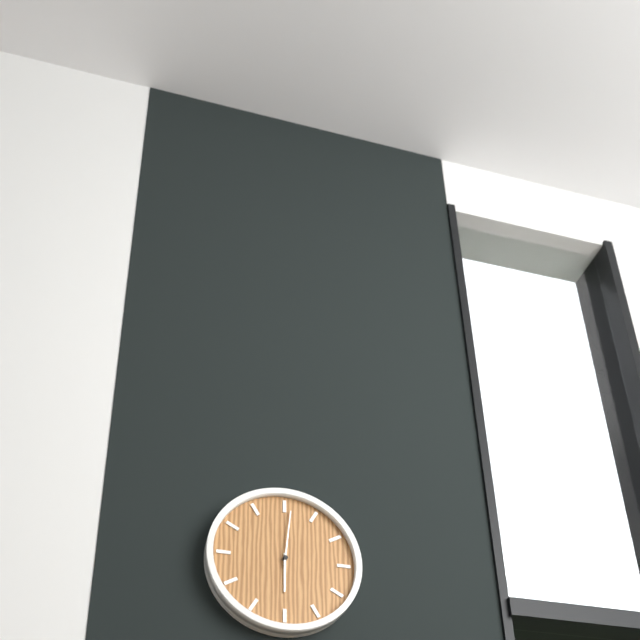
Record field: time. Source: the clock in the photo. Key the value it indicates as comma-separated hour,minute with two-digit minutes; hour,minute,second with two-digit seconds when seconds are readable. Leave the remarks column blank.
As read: 6,01
